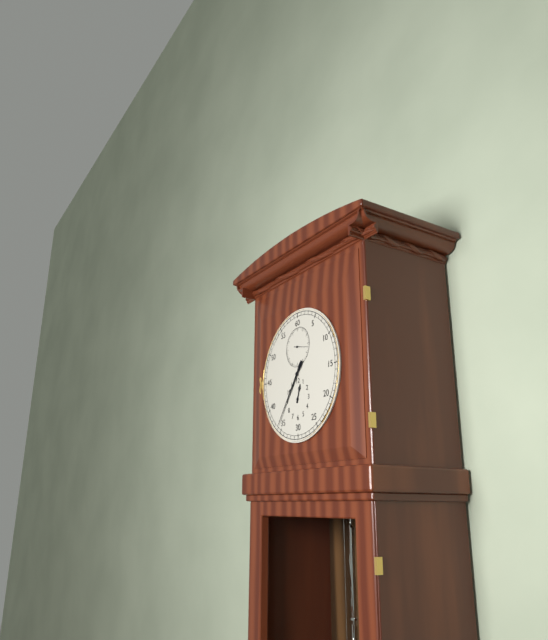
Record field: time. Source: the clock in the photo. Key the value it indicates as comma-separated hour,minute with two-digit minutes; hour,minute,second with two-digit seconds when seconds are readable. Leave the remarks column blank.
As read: 12,36
